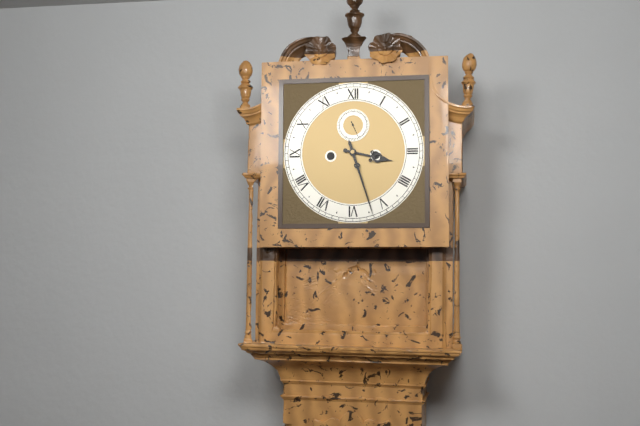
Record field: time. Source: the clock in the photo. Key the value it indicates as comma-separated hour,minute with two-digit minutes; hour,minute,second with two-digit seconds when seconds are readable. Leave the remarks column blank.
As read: 3,27
